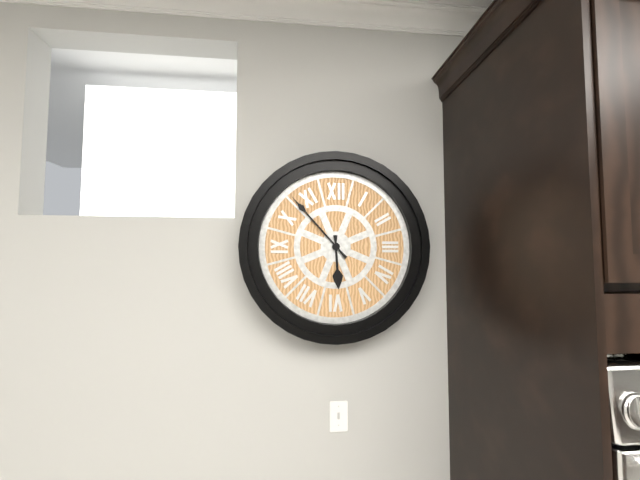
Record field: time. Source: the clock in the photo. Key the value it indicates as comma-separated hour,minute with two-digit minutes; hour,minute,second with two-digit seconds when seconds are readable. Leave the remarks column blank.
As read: 5,53
